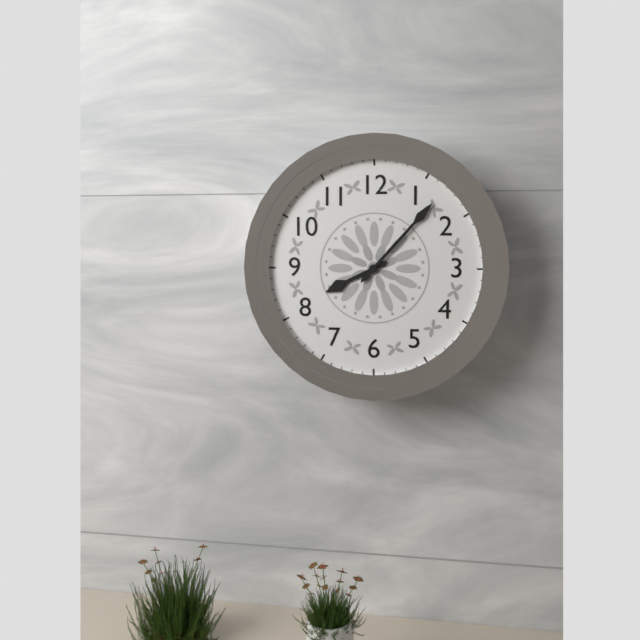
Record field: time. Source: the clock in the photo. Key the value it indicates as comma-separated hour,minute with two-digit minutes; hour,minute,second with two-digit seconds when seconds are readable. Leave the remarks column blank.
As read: 8,07
